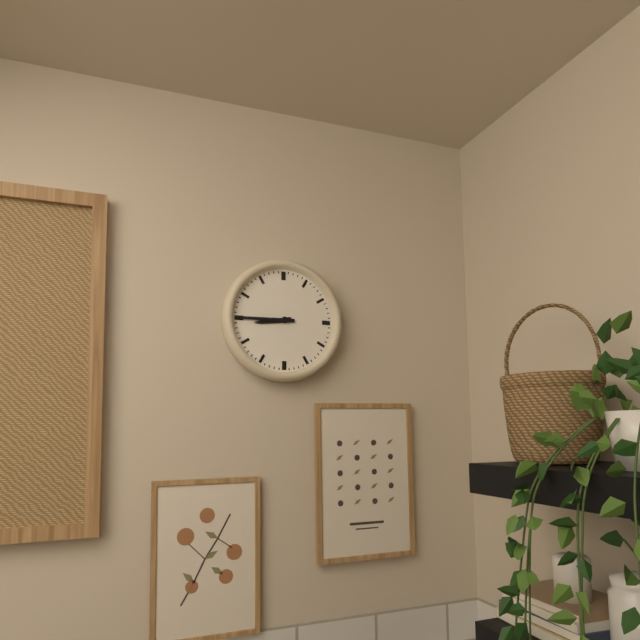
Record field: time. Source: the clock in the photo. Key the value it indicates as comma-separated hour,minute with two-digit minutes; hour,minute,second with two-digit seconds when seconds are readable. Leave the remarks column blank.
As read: 8,45
